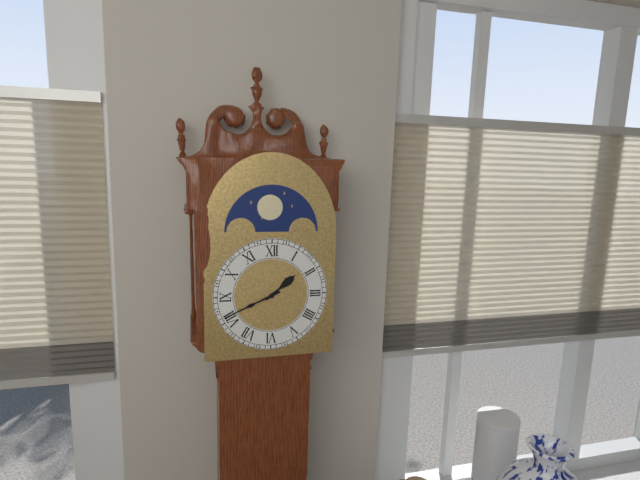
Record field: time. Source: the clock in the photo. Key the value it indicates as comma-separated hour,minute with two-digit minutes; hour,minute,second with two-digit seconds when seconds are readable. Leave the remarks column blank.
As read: 1,41
